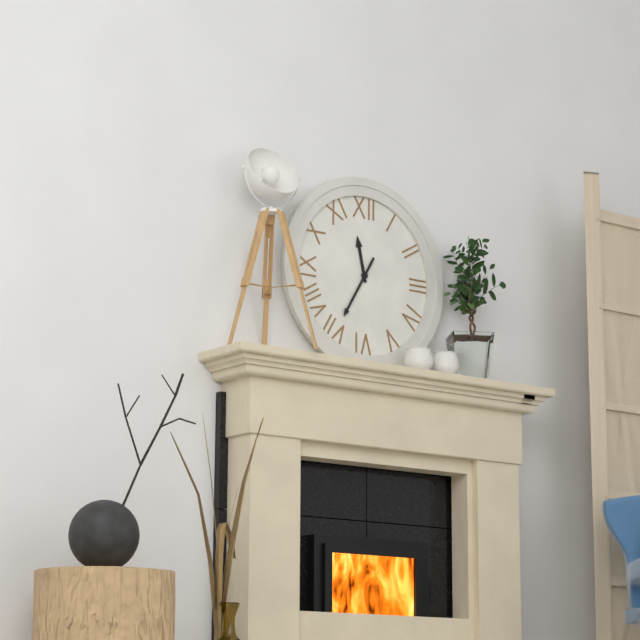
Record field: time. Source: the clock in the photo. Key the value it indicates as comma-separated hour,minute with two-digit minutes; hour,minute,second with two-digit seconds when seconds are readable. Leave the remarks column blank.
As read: 11,35
